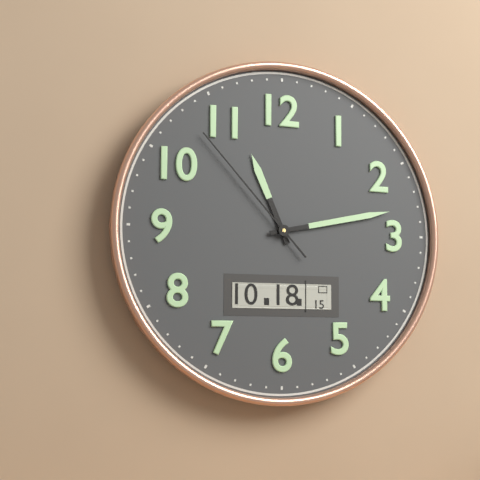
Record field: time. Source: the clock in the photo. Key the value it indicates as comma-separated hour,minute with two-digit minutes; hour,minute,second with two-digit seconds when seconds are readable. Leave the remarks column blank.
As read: 11,13,53
